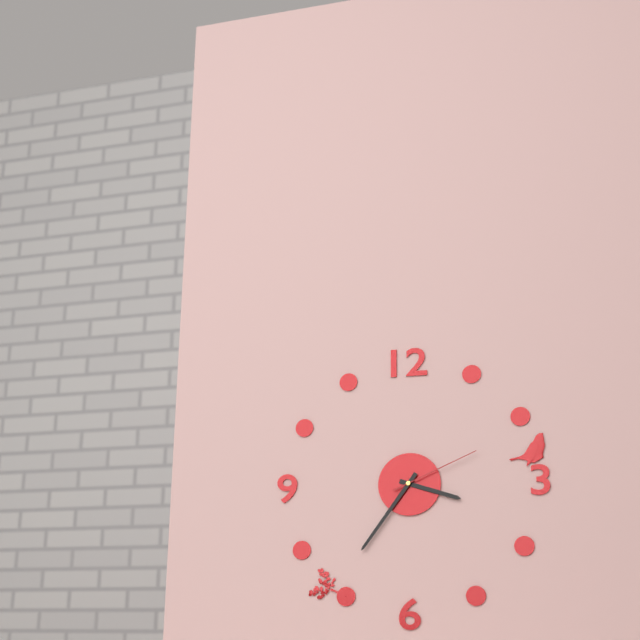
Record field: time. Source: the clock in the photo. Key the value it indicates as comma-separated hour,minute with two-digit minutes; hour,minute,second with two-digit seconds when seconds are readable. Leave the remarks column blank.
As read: 3,36,11
